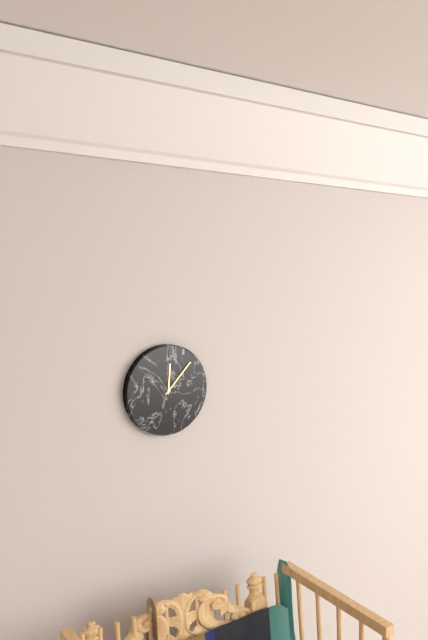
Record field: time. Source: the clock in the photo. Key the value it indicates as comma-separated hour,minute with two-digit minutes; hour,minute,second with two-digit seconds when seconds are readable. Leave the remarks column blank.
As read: 12,07
